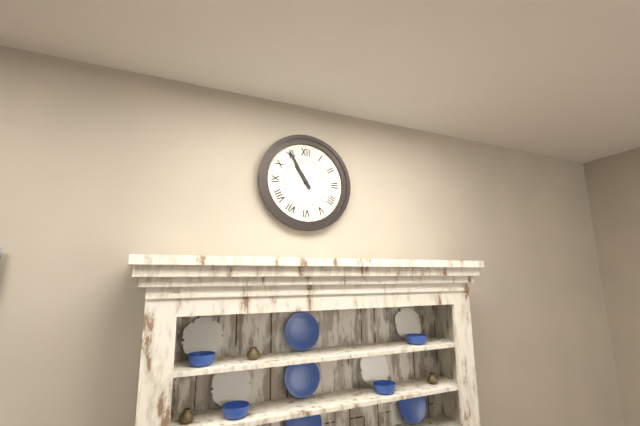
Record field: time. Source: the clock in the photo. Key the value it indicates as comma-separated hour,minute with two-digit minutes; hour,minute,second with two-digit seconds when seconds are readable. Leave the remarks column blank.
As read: 10,55
